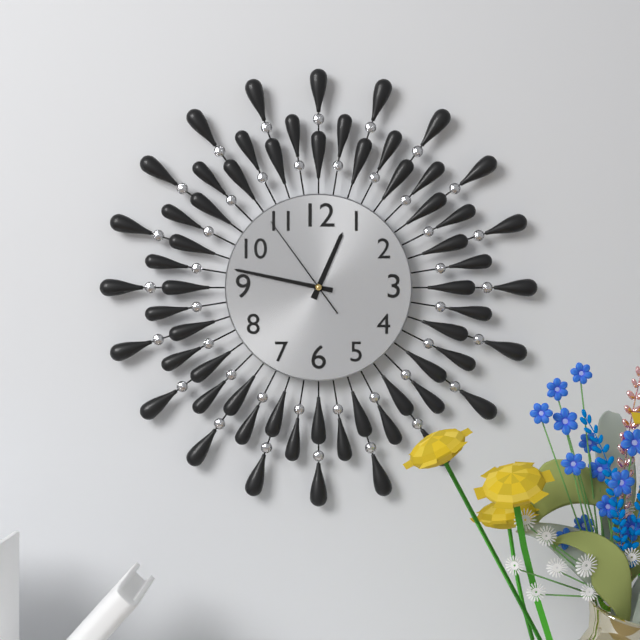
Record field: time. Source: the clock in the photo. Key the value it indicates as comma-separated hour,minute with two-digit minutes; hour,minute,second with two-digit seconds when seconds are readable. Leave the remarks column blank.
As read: 12,47,54
